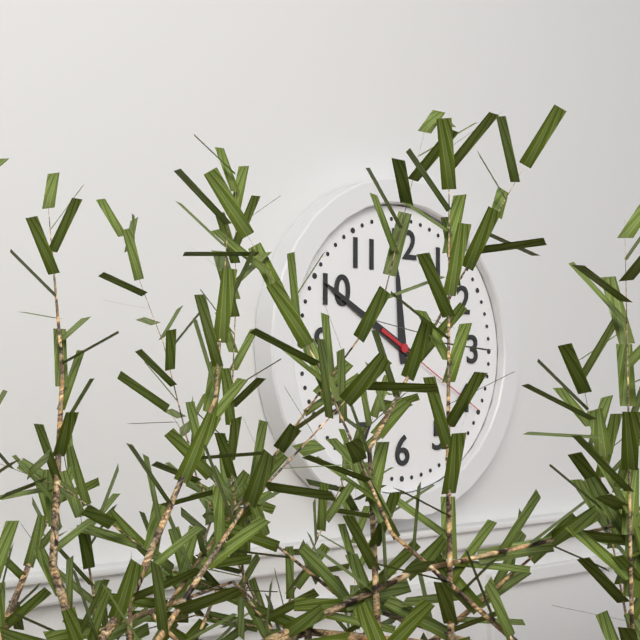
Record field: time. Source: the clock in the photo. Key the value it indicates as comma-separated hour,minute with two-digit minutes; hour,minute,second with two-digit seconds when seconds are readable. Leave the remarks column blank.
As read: 11,50,20
